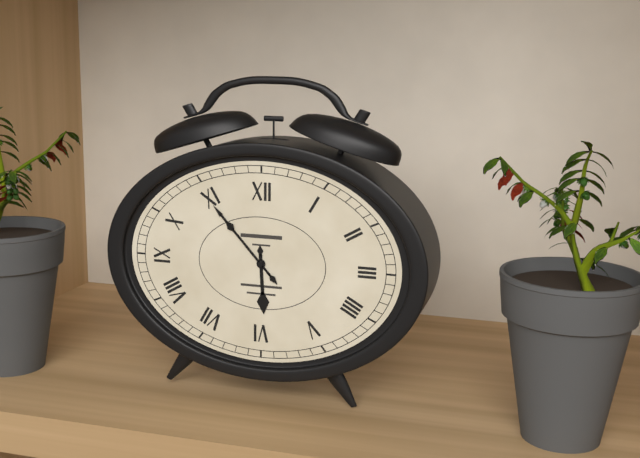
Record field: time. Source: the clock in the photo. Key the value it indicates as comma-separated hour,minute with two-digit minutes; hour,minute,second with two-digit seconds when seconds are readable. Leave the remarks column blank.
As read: 5,53
